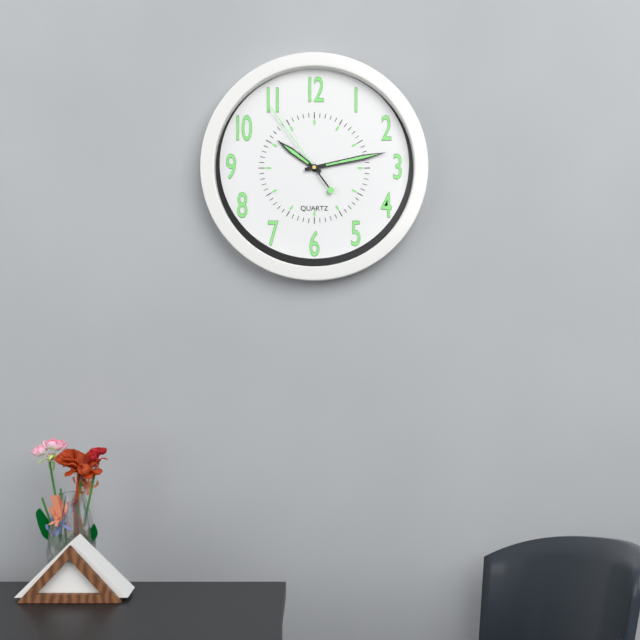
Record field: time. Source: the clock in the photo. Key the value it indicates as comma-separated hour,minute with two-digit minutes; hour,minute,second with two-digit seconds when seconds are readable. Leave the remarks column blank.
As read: 10,13,54
